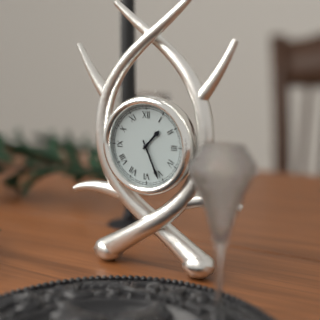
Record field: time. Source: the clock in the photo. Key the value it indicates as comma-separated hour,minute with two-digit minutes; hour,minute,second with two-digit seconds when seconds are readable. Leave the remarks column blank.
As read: 1,26
